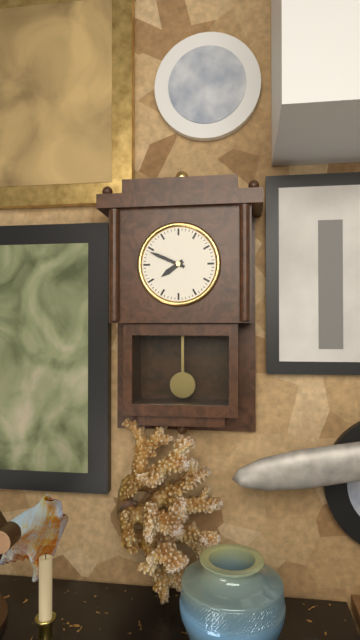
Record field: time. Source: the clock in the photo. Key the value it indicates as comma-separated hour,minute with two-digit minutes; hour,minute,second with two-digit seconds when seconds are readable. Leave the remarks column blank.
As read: 7,49
